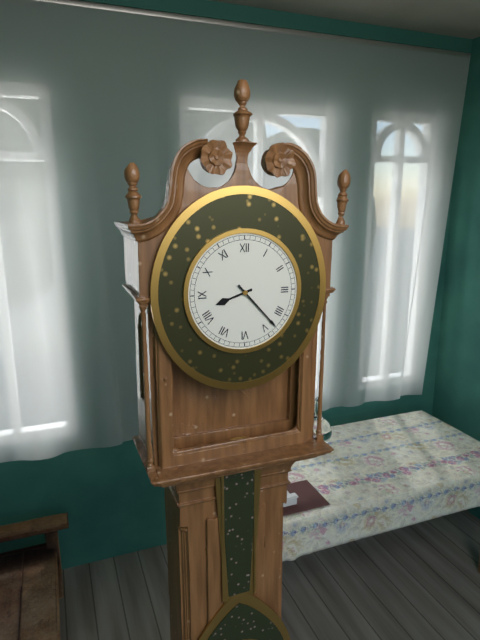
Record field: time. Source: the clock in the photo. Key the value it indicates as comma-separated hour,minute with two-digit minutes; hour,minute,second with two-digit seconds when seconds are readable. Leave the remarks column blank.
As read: 8,23
